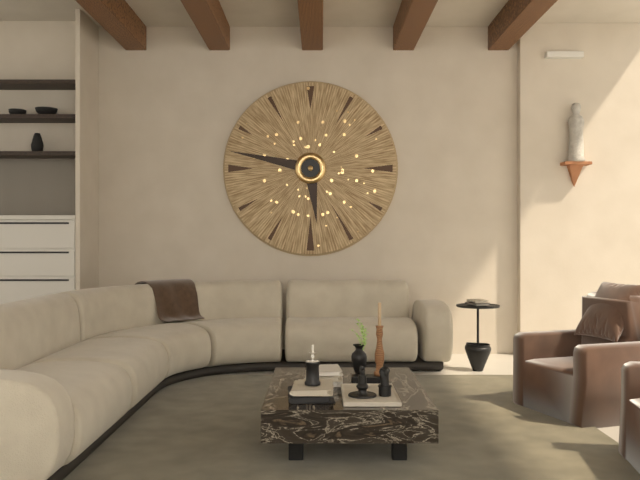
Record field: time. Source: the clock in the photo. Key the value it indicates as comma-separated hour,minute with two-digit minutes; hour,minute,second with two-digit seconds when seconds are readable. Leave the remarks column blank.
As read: 5,47
